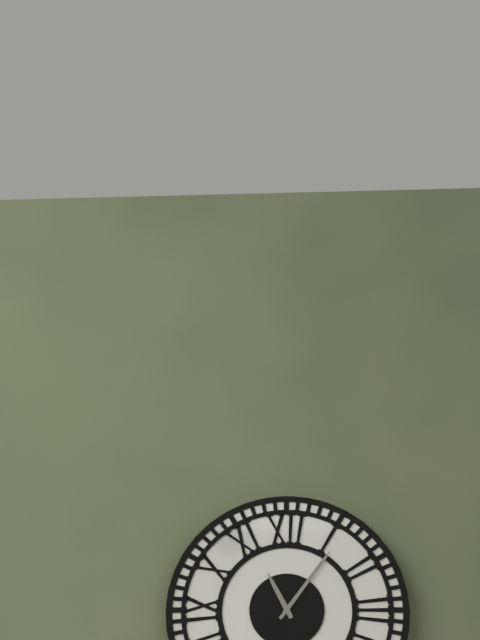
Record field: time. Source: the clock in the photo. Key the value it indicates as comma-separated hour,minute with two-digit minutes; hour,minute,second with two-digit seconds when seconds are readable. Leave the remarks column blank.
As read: 11,06
